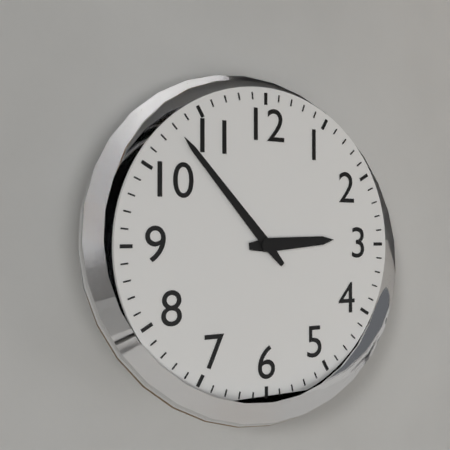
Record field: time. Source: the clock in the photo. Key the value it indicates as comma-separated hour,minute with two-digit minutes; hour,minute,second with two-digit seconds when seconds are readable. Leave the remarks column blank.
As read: 2,53
